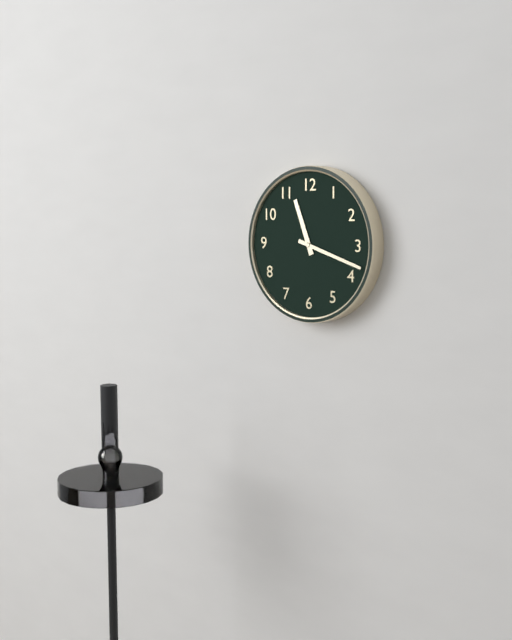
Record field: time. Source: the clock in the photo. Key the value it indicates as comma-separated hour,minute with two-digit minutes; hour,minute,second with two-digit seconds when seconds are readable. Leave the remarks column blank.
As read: 11,18
